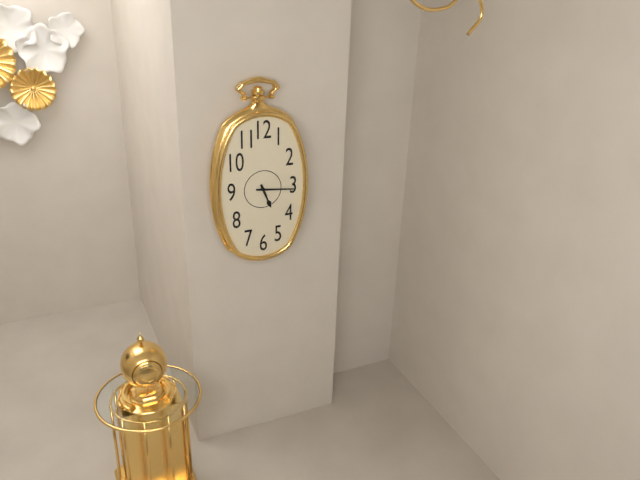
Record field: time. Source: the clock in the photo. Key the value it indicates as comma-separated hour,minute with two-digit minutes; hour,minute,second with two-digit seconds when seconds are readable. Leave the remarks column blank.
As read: 5,16
